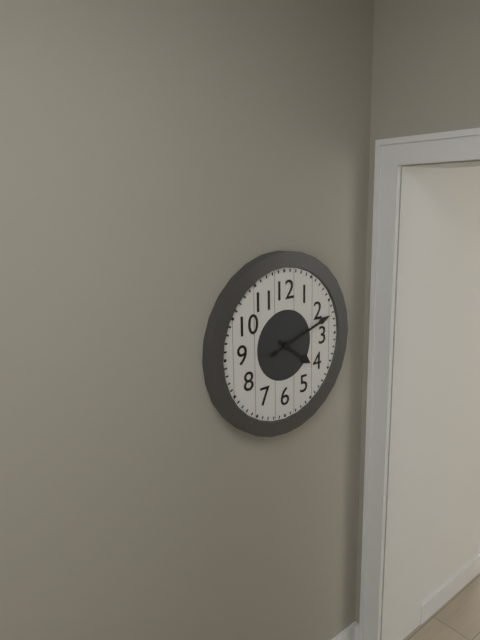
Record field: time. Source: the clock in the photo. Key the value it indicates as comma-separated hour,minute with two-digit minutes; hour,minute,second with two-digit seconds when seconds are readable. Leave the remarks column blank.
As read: 4,12
